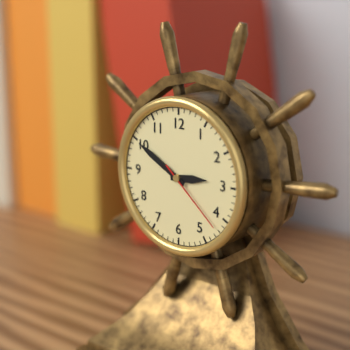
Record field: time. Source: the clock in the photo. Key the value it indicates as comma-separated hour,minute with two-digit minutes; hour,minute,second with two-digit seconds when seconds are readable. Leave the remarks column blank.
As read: 2,50,22
